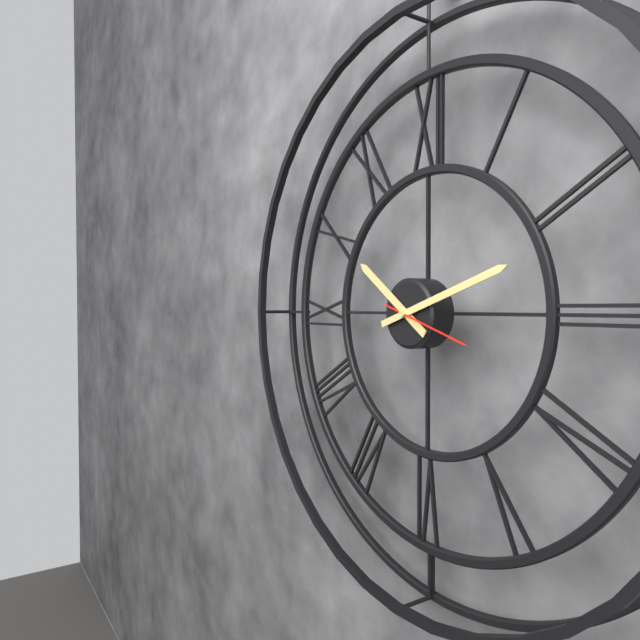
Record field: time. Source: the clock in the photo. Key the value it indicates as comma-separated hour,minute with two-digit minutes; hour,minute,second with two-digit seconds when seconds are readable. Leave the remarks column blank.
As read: 10,12,18
